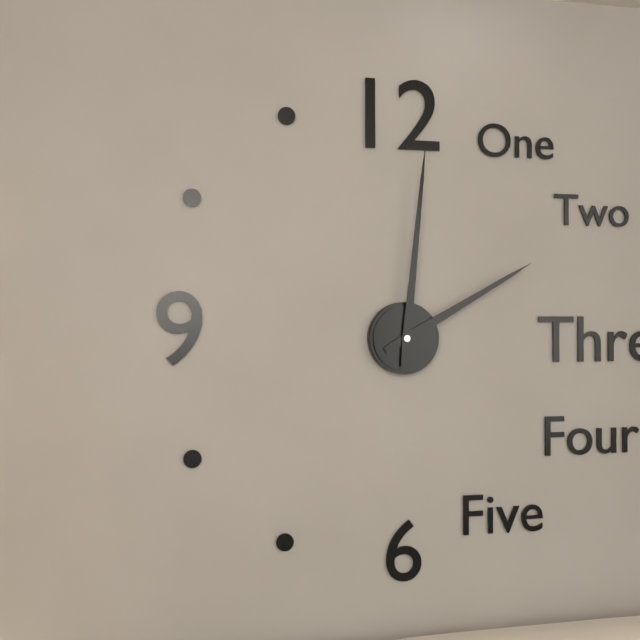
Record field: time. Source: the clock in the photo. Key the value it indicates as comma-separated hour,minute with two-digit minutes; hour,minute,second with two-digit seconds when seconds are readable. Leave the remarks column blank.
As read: 2,01
